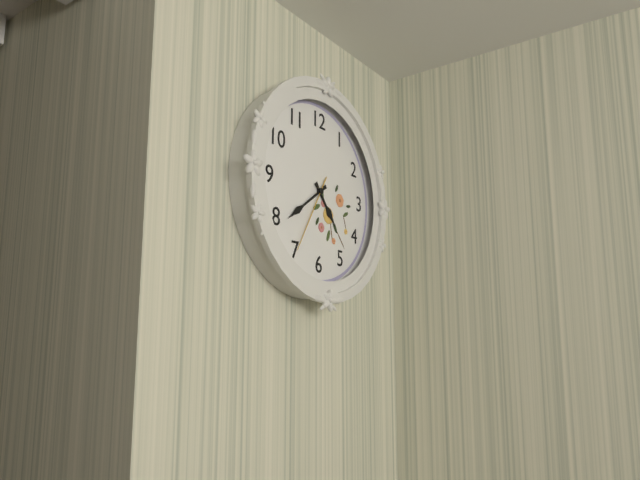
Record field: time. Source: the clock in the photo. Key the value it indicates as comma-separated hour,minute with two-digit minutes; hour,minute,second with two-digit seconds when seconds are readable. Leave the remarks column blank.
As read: 4,39,35
